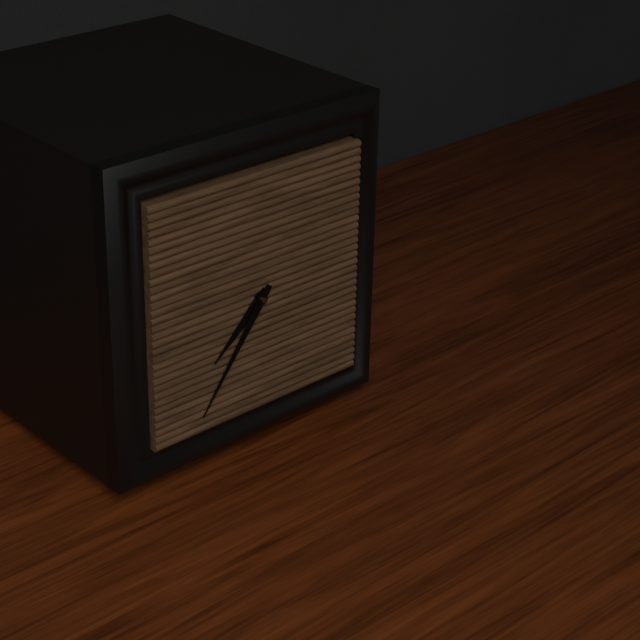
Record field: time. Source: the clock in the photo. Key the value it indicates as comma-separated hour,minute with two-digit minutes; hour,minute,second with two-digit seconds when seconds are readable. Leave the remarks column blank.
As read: 7,36
